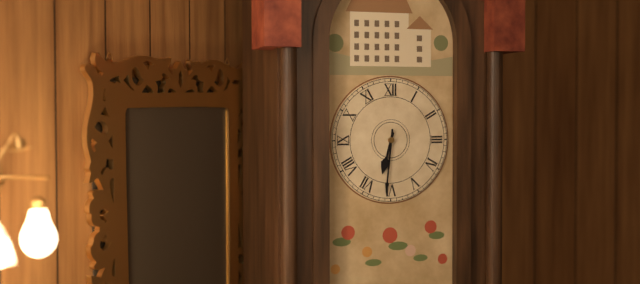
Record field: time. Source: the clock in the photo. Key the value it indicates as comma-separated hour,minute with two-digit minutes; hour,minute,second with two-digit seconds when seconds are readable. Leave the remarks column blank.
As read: 6,31
